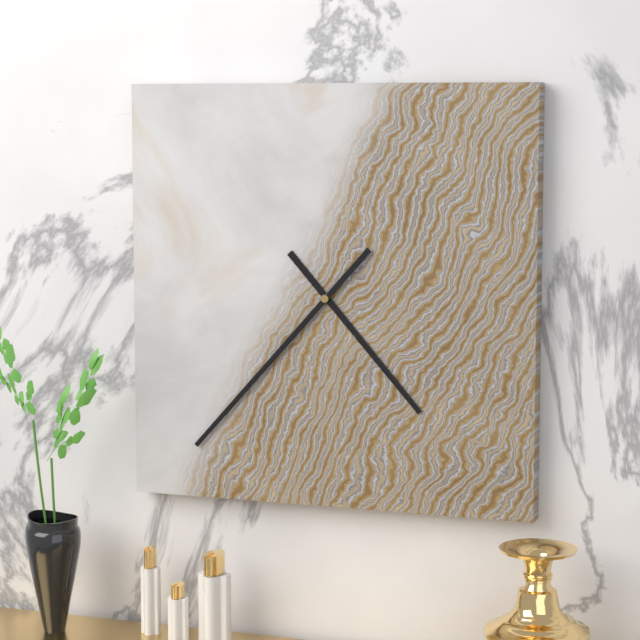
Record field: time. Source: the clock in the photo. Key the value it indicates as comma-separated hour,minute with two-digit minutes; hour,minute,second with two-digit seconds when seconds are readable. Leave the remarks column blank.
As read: 4,37
